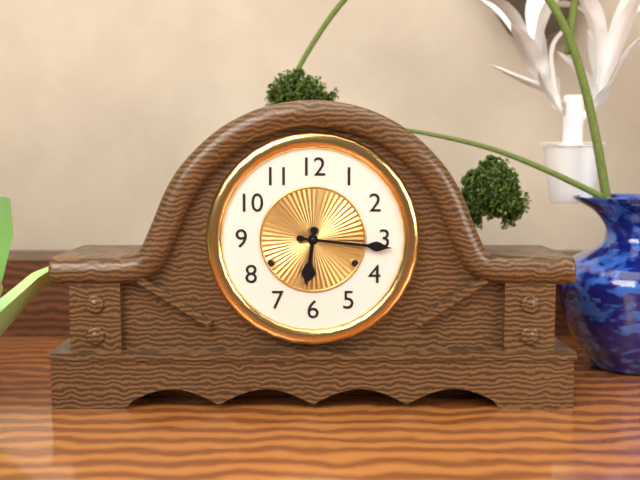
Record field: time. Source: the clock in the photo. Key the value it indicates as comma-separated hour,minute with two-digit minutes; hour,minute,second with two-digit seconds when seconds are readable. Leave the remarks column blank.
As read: 6,16
